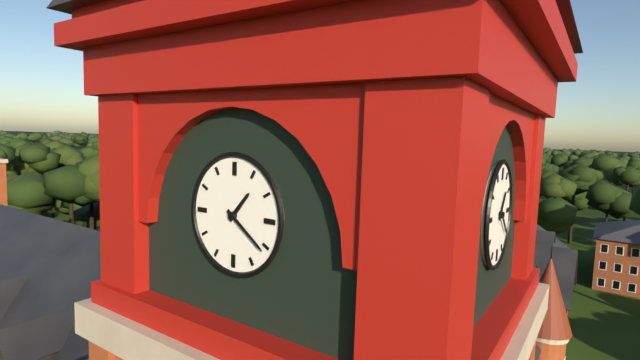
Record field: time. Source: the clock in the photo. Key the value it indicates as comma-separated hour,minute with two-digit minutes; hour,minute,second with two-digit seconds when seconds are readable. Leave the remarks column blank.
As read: 1,21
